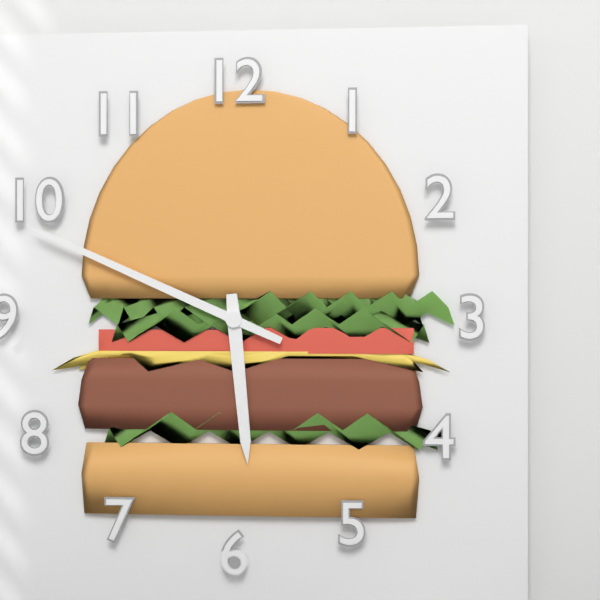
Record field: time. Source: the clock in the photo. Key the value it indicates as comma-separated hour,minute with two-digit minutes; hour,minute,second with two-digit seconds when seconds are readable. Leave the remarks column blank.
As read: 5,49
